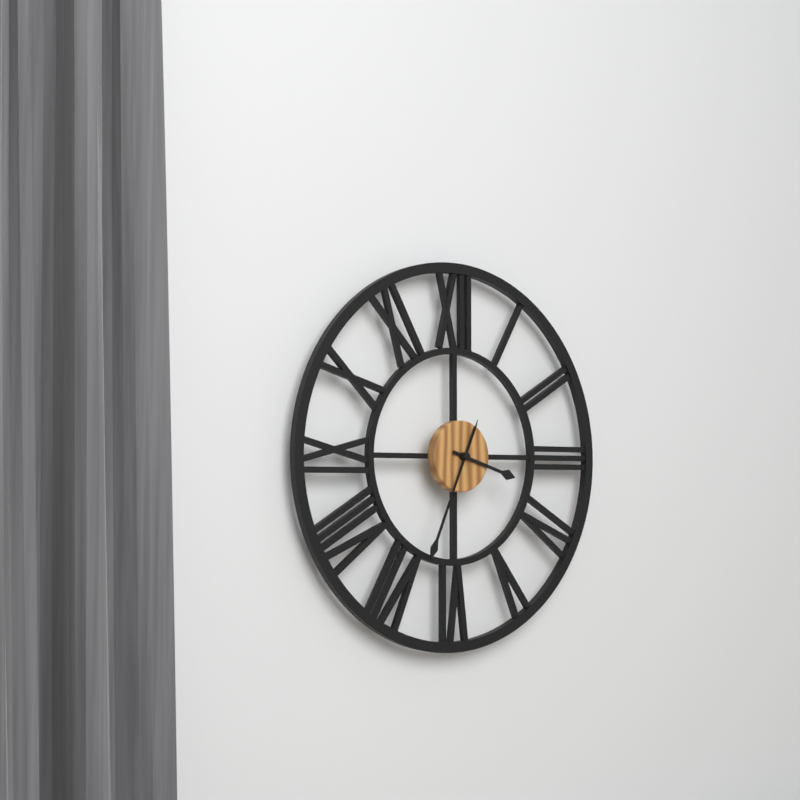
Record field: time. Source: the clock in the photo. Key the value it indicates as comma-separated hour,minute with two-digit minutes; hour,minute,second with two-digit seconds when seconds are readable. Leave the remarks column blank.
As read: 3,34
